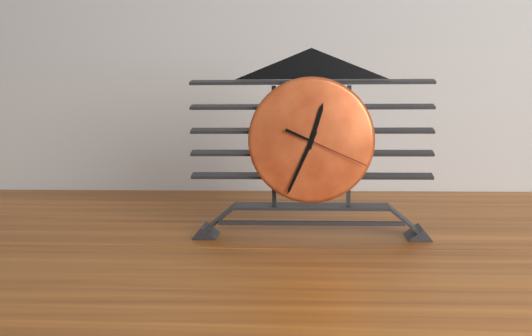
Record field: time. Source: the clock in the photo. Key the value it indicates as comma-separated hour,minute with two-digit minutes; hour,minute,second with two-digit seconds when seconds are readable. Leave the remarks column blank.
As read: 12,34,19
